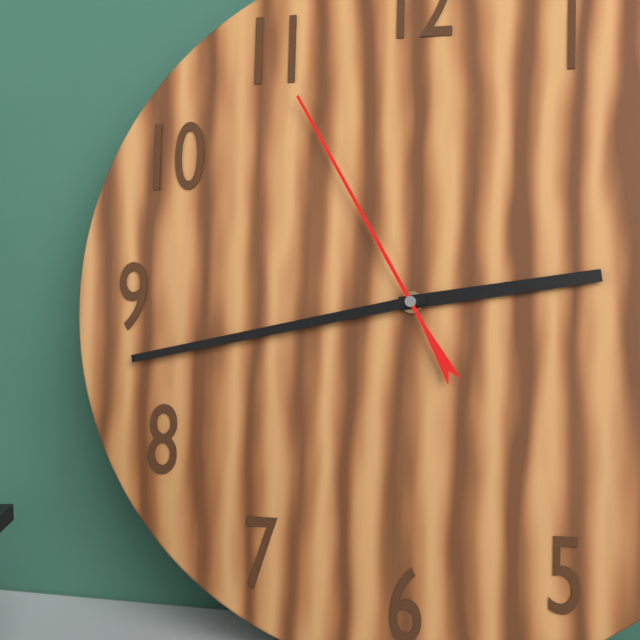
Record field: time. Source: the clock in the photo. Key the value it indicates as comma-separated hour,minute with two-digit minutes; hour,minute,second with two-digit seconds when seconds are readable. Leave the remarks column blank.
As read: 2,43,55
